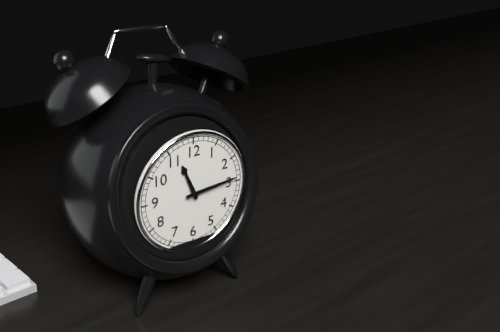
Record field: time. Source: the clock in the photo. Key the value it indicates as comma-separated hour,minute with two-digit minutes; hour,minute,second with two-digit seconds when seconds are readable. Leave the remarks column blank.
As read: 11,14
